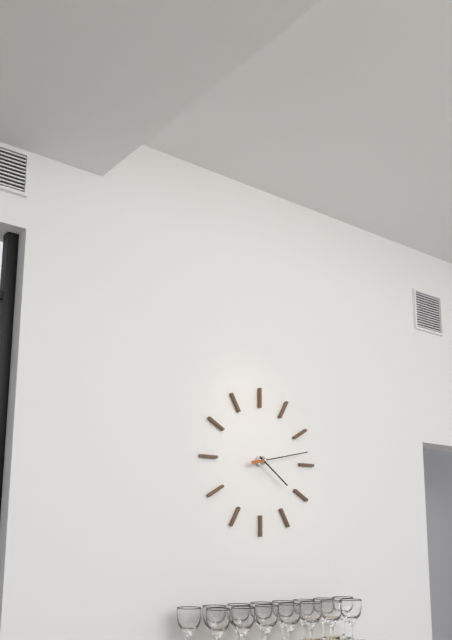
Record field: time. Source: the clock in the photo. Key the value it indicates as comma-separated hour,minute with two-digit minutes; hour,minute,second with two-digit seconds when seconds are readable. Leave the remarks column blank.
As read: 4,13
